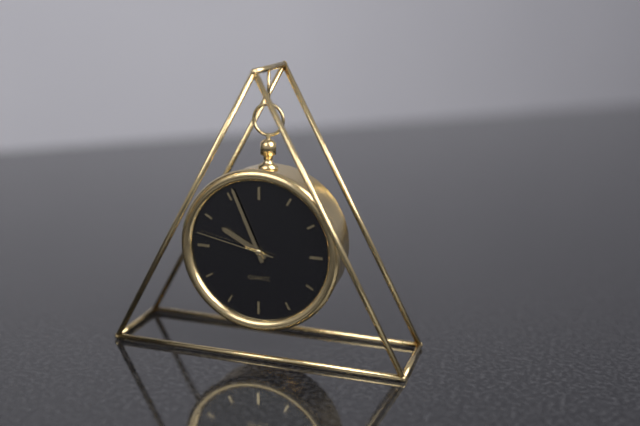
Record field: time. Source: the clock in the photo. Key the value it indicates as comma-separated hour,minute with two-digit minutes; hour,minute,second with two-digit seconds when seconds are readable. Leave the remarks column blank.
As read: 9,56,47
